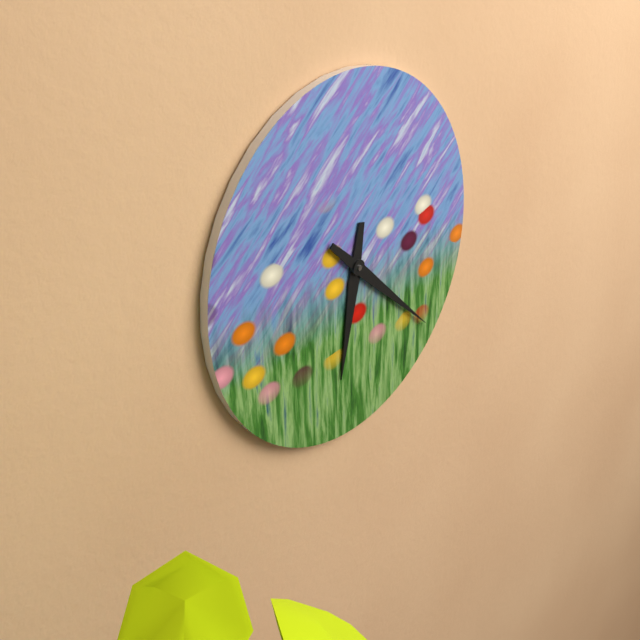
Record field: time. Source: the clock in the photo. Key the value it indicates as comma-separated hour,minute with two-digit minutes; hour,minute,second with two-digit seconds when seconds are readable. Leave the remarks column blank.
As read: 6,22
